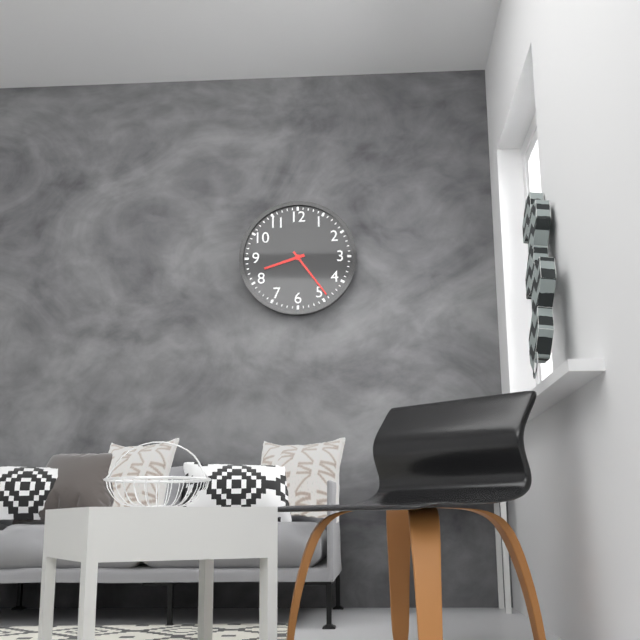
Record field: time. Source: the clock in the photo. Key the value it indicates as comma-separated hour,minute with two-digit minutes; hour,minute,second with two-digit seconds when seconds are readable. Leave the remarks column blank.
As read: 8,24
